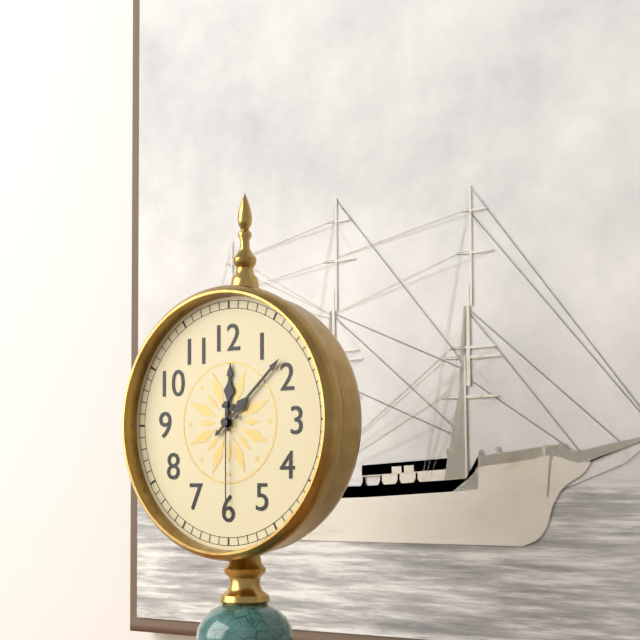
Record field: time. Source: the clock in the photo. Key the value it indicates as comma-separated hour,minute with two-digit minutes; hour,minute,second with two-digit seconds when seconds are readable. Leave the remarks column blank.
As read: 12,08,30
